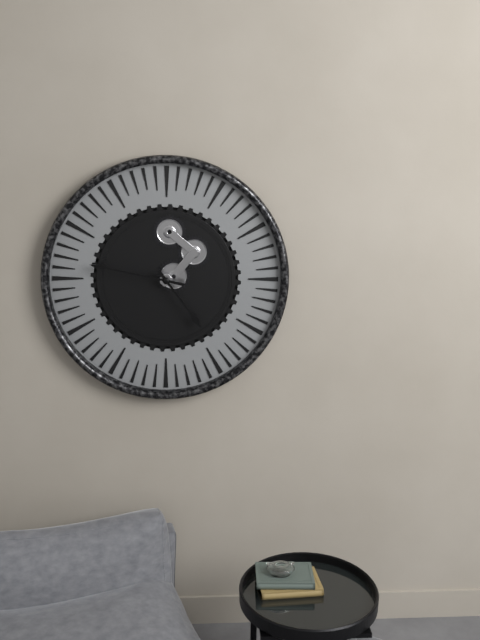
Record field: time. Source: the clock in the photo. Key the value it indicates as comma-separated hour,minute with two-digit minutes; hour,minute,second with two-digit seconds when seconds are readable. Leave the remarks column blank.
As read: 4,47
